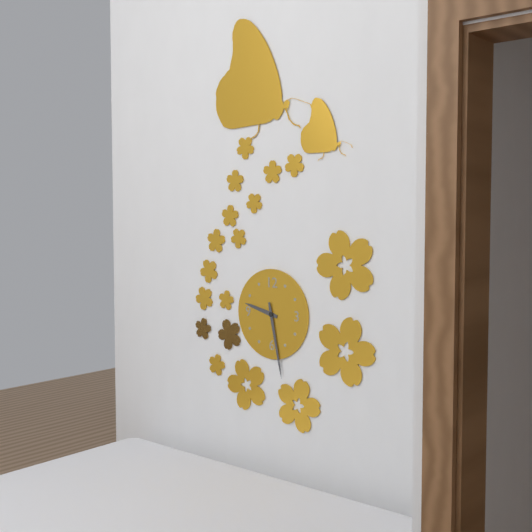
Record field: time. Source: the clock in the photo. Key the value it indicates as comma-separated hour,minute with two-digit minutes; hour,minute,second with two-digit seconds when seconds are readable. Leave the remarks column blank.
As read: 9,28
